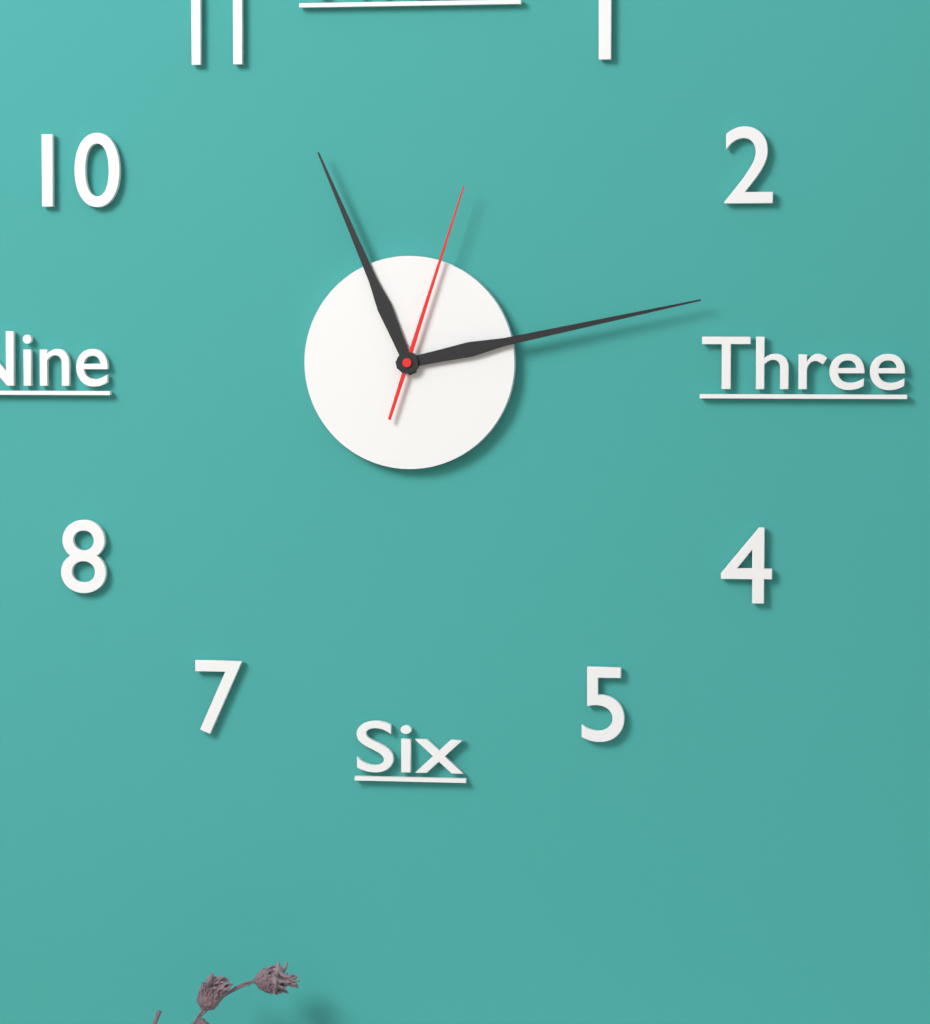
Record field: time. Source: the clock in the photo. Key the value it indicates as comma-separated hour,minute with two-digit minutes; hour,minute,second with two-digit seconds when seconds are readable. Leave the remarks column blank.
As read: 11,13,03
